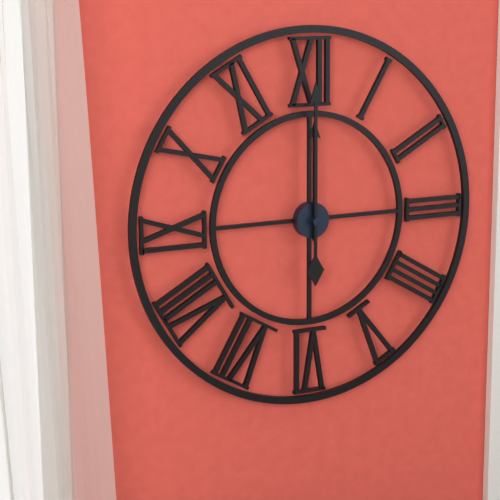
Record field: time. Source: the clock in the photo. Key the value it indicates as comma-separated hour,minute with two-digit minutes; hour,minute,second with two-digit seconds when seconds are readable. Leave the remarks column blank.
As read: 12,00
